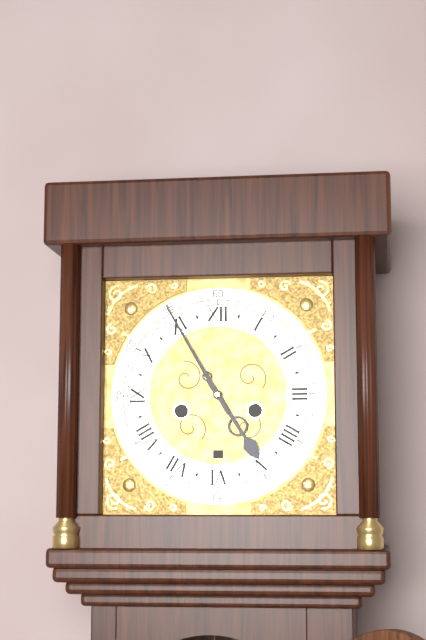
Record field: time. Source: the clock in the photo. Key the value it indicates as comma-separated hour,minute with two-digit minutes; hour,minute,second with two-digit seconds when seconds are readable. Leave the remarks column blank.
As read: 4,55
